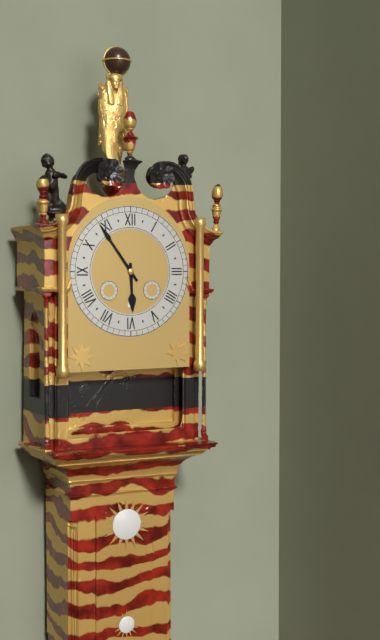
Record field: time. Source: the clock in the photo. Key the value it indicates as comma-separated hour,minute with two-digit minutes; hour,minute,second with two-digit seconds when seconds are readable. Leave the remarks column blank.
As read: 5,54
